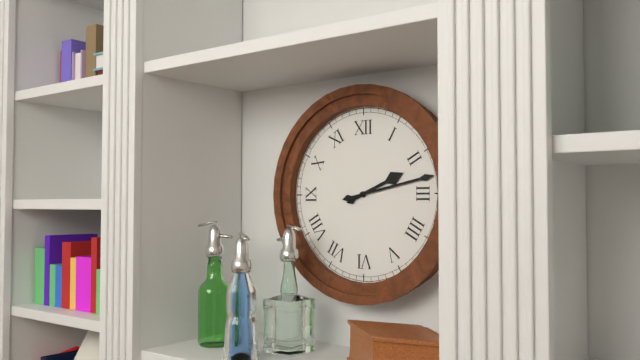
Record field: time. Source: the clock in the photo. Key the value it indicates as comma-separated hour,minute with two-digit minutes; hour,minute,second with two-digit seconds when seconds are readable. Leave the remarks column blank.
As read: 2,13
